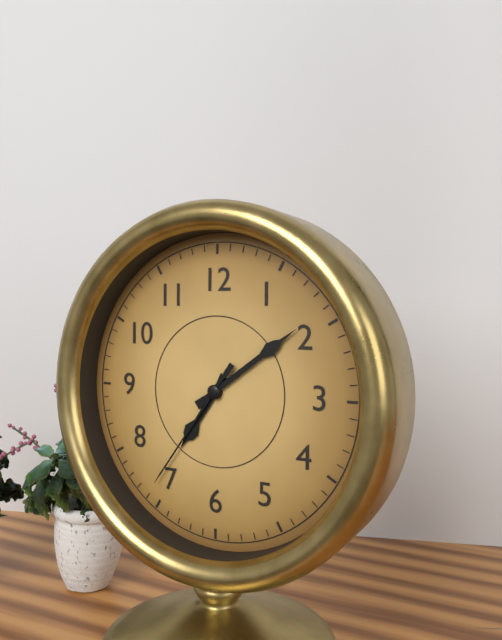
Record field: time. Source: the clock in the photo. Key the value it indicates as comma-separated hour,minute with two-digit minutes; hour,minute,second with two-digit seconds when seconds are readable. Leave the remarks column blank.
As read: 7,09,36
